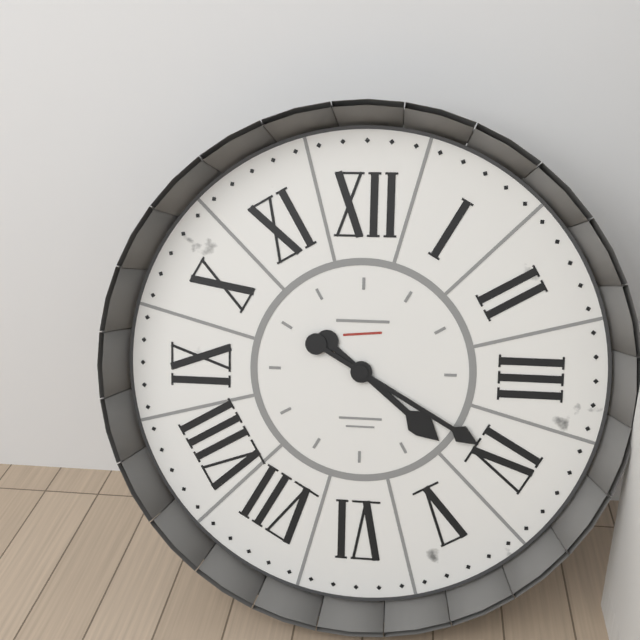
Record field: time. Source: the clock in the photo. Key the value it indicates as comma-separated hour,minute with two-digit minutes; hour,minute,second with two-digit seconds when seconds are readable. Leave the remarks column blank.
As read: 4,20
